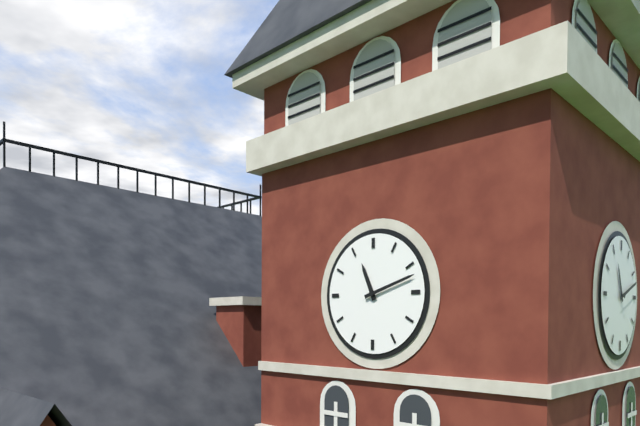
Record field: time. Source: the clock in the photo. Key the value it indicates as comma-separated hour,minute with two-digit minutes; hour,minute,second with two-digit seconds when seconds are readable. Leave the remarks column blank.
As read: 11,12
